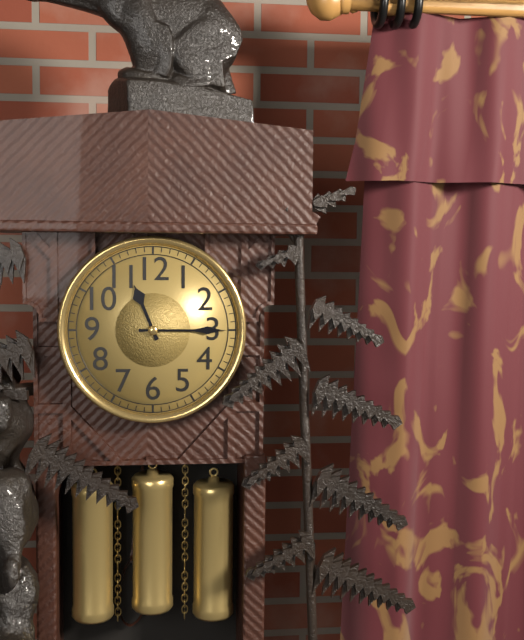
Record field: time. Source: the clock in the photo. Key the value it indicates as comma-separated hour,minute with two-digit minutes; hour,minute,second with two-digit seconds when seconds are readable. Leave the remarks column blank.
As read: 11,15
